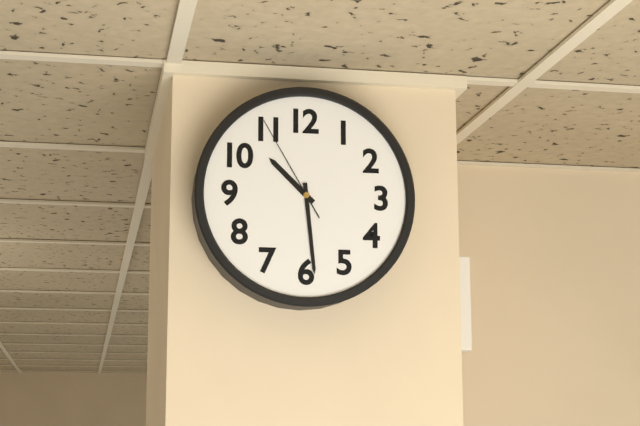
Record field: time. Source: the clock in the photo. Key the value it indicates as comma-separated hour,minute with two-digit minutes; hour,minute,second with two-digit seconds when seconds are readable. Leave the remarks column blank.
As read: 10,29,55
